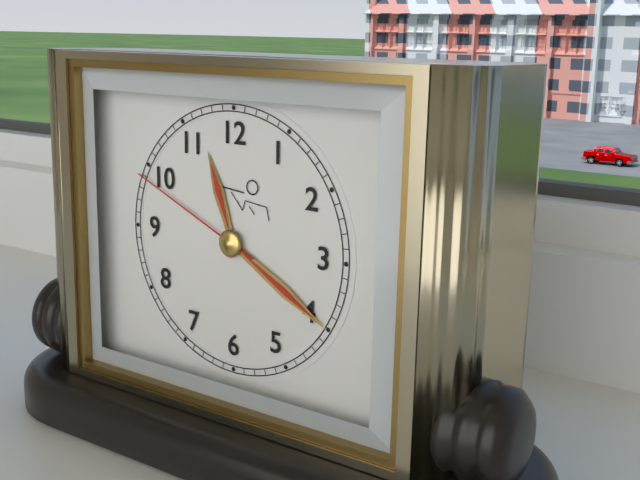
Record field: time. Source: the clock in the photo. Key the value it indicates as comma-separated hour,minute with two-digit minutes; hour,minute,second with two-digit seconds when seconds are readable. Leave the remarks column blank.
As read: 11,20,49
